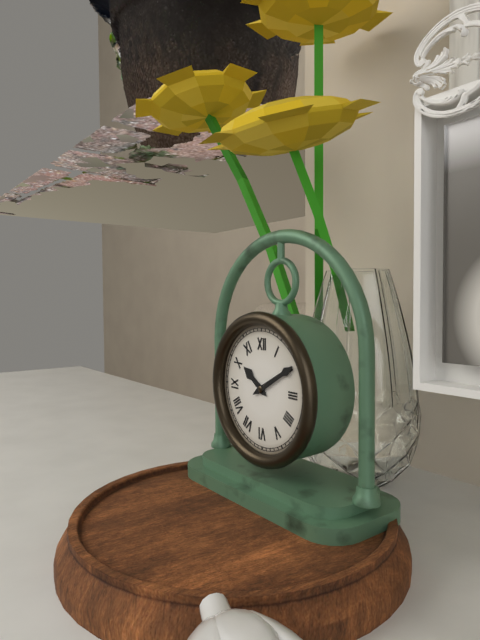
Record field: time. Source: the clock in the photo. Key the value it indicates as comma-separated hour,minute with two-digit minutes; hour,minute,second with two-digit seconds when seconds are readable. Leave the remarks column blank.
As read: 10,10
